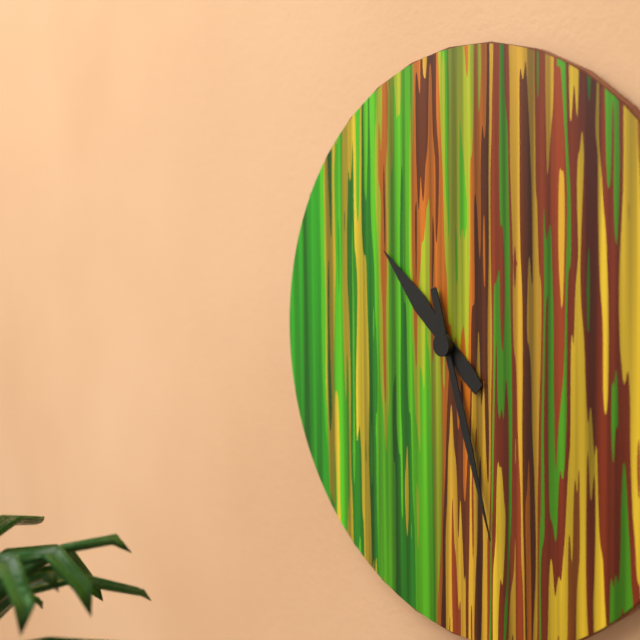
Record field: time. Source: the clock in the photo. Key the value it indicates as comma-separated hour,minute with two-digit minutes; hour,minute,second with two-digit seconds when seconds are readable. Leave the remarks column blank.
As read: 10,27
